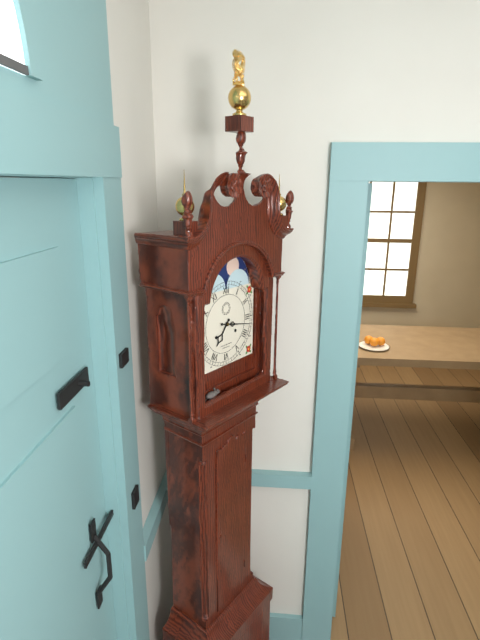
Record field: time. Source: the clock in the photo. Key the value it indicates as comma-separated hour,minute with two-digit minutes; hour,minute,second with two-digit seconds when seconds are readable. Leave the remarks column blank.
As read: 7,17
